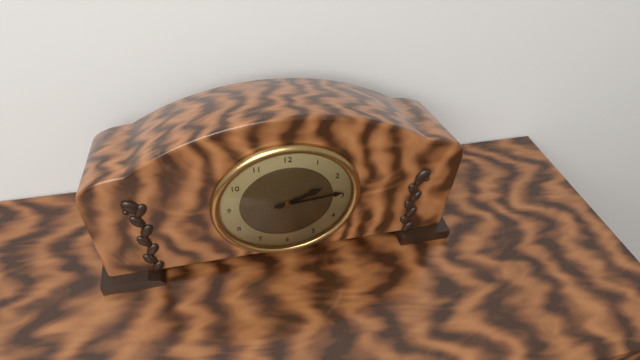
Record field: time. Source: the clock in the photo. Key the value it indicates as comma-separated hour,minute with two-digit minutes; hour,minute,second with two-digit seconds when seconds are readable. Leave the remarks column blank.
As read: 2,14
